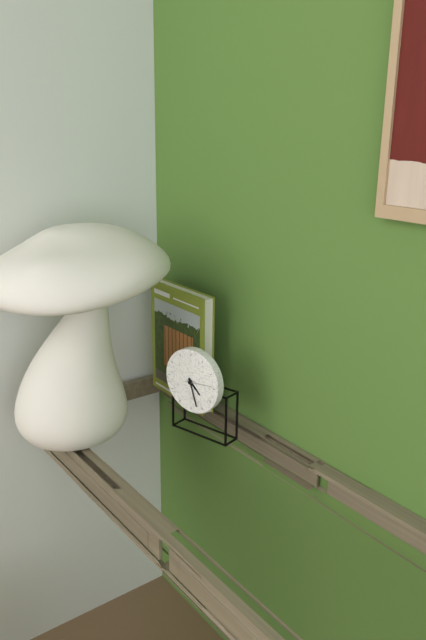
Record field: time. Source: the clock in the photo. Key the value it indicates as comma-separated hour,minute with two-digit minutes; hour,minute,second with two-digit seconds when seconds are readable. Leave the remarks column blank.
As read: 4,27
